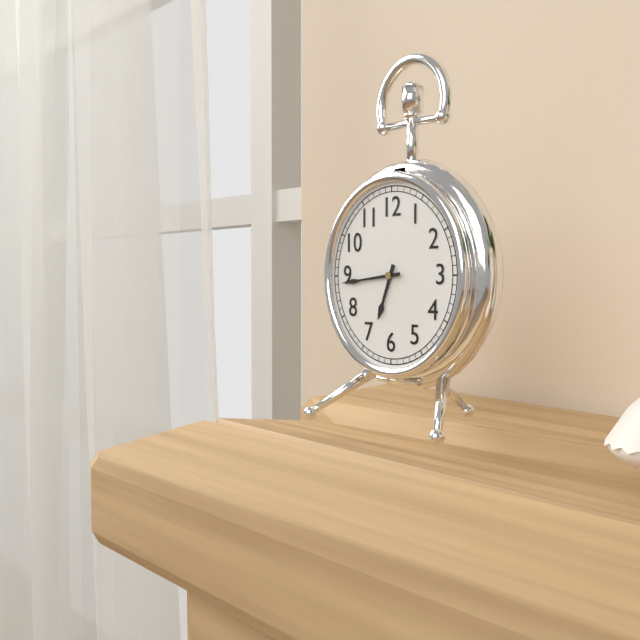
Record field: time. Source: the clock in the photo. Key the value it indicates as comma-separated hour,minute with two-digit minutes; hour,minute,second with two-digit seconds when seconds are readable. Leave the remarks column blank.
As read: 6,44
